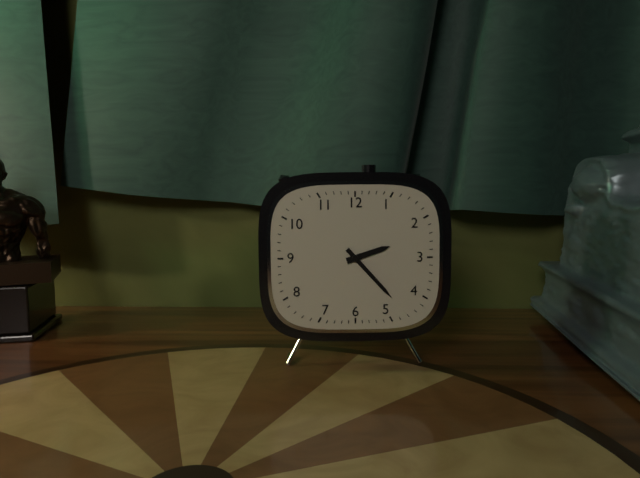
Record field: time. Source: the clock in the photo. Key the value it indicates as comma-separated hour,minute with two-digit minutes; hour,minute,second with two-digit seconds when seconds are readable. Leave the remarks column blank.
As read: 2,23
